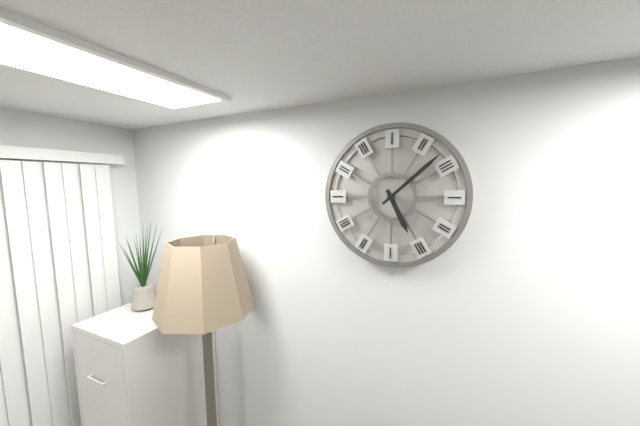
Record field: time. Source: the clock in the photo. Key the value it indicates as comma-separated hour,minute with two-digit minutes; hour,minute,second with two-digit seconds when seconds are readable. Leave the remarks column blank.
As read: 5,08
